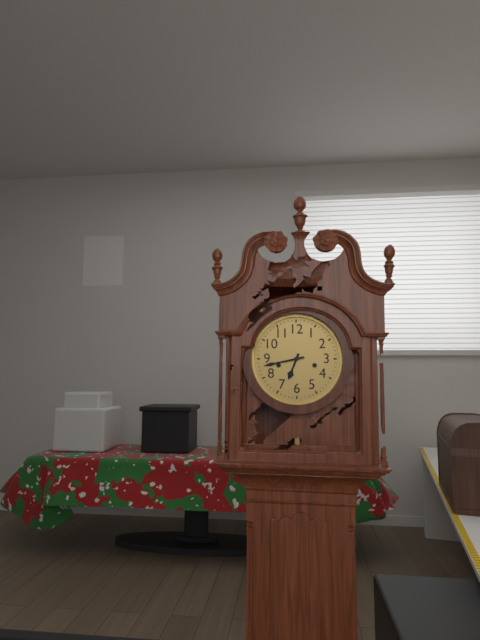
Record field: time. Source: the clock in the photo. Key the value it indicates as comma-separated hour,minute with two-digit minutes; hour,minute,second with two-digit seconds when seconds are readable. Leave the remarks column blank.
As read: 6,43
